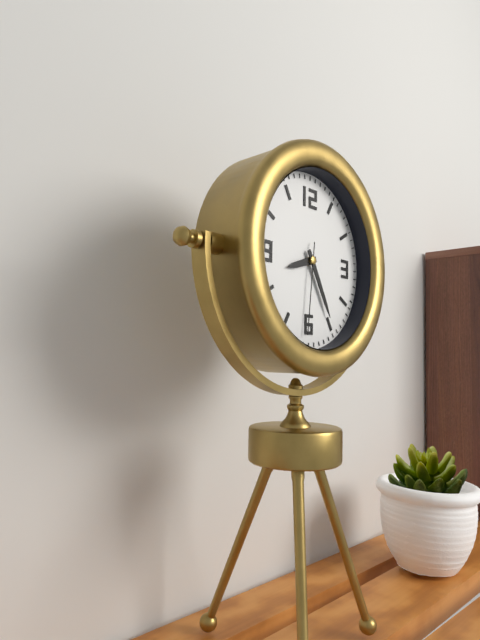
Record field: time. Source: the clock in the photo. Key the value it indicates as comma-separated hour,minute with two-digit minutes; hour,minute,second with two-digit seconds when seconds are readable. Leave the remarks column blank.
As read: 8,25,31
